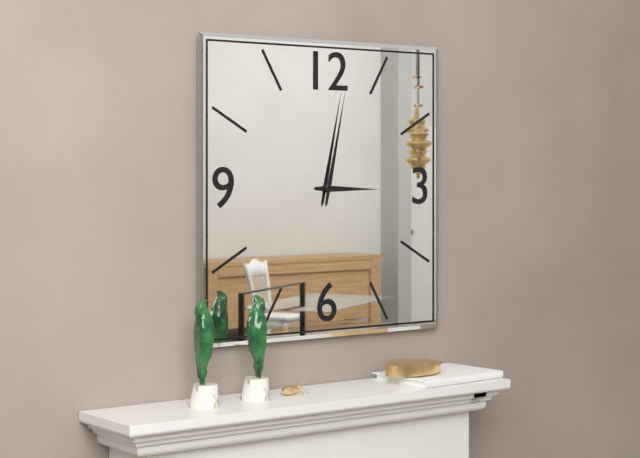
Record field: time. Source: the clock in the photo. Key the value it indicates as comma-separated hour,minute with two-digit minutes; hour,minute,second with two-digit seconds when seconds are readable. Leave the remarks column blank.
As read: 3,02
